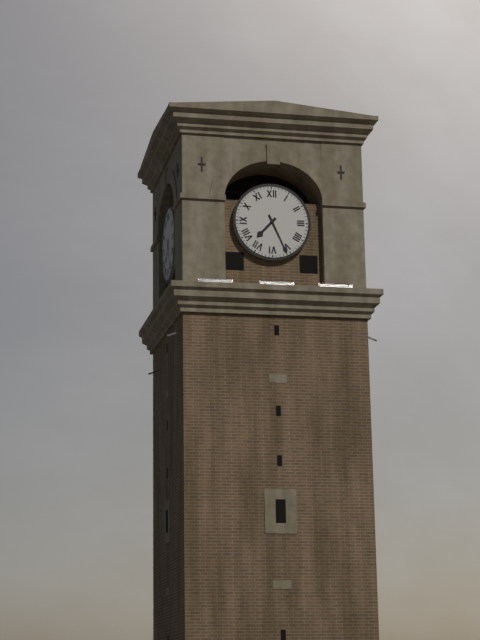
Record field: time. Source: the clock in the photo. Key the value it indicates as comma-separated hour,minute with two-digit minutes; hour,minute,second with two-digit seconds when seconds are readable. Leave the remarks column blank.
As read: 7,26
